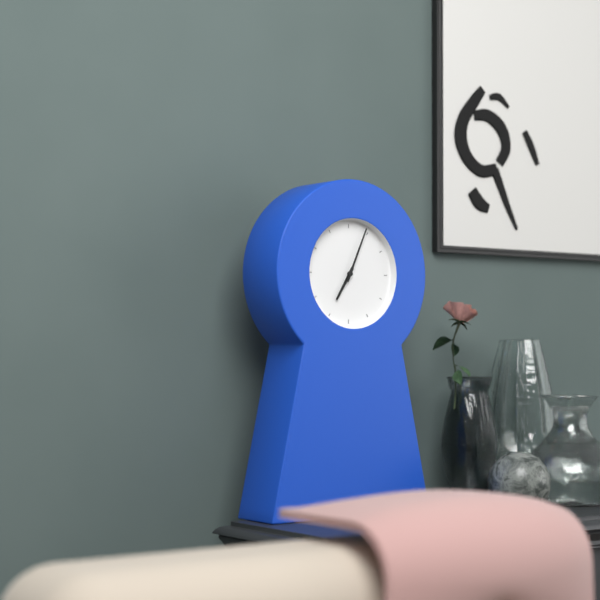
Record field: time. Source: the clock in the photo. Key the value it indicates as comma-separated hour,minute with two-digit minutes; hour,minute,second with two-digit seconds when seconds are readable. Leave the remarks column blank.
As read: 7,04
